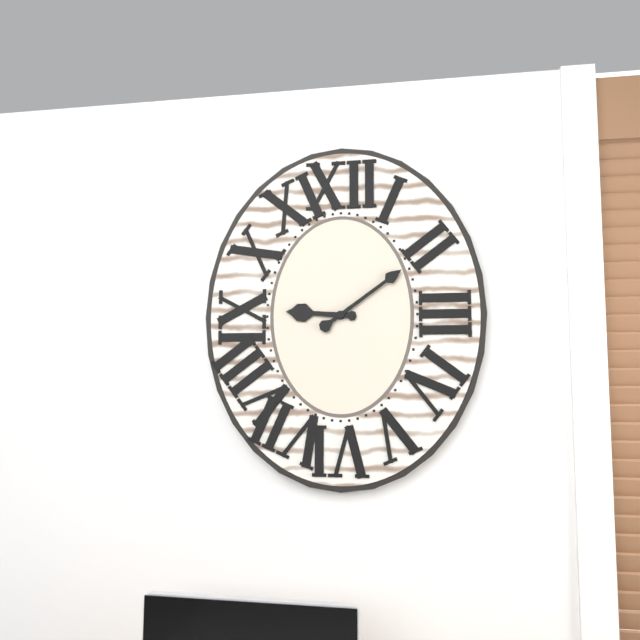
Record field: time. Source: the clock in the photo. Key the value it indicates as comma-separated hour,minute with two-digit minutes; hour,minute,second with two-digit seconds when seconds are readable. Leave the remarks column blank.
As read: 9,09
